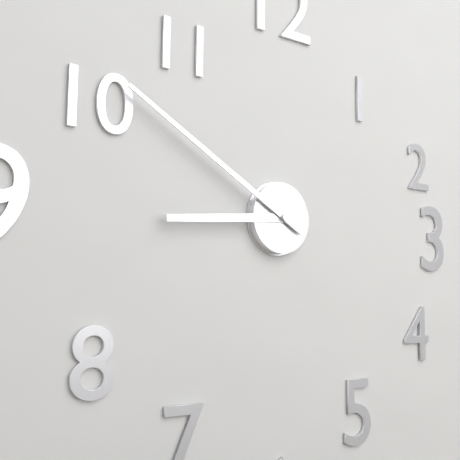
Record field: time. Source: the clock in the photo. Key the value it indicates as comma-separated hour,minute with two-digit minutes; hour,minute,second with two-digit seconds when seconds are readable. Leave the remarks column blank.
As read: 8,50
